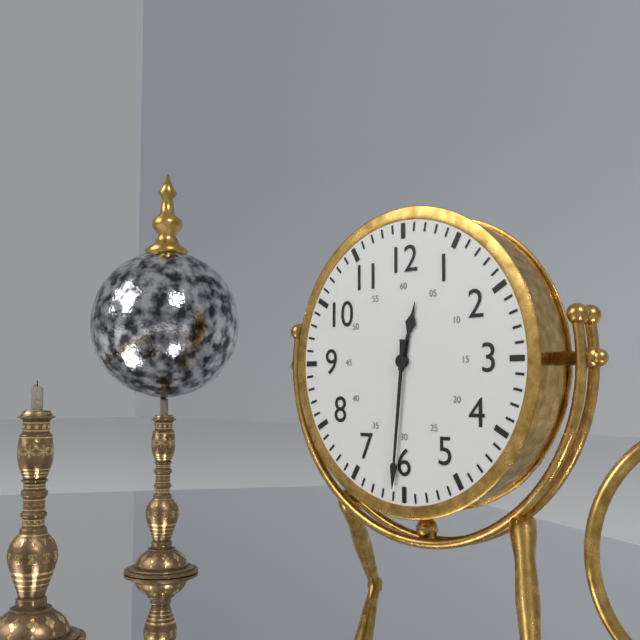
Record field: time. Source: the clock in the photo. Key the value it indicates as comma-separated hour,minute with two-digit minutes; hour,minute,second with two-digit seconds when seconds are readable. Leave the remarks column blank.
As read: 12,31
